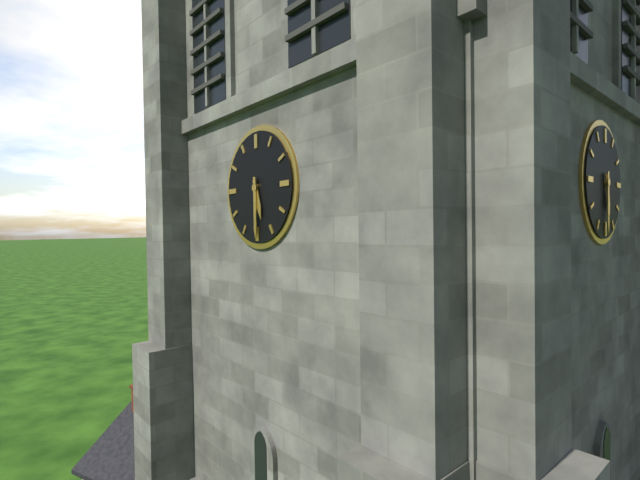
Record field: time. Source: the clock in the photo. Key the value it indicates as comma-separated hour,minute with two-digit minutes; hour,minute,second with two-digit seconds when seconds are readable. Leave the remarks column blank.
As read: 5,30
